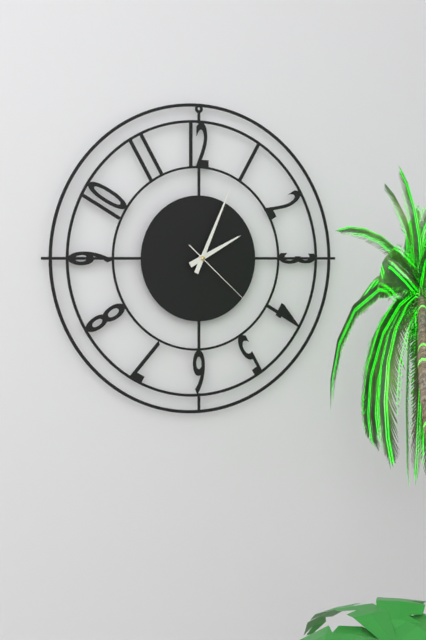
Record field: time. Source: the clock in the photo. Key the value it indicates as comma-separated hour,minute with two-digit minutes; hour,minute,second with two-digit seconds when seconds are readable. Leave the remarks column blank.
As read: 2,04,22
